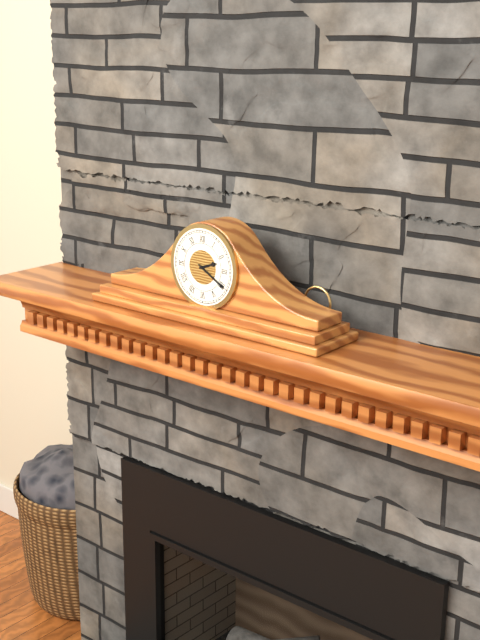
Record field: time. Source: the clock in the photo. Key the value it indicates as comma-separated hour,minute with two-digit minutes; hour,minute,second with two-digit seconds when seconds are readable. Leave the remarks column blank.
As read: 2,20
